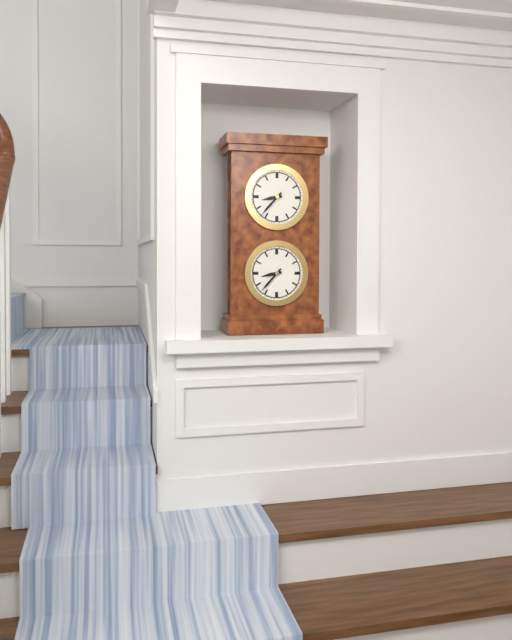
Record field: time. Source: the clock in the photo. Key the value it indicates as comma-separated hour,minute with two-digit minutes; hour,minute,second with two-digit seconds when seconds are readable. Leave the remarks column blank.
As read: 8,37
